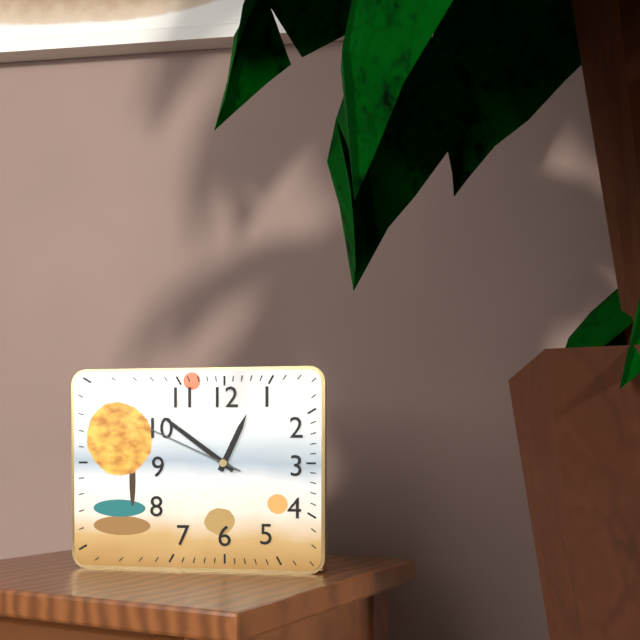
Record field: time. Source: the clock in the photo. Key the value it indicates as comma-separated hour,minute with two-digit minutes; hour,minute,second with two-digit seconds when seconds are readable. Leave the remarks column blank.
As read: 12,51,49
